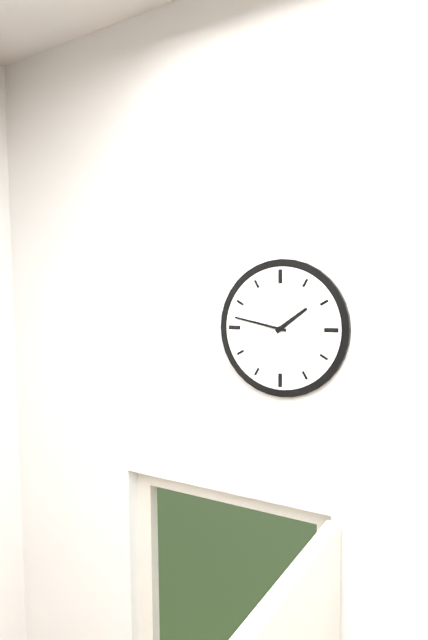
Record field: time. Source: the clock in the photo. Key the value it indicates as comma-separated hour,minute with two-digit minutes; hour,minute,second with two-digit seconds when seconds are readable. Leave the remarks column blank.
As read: 1,47
